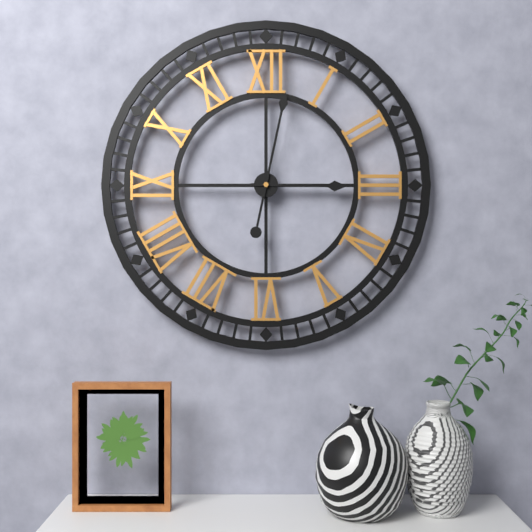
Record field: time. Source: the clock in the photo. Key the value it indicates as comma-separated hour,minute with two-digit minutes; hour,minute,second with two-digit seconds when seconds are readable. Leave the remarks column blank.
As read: 3,02
